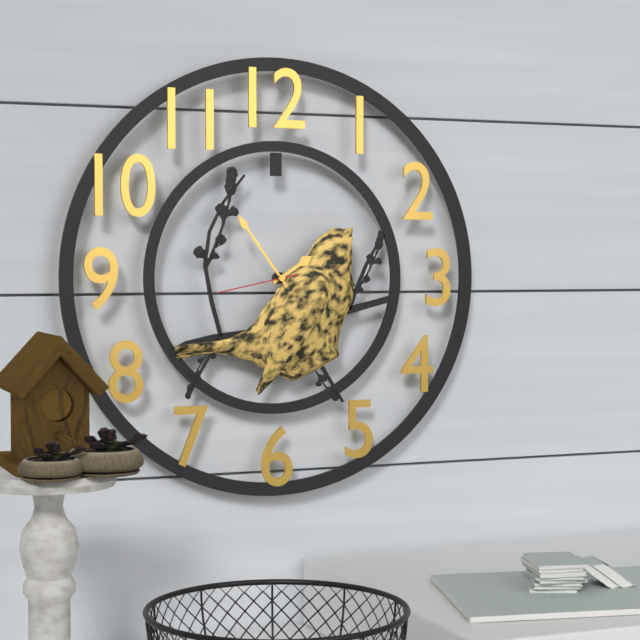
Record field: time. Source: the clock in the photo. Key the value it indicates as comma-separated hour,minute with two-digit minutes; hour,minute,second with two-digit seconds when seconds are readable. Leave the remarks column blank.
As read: 1,54,43
